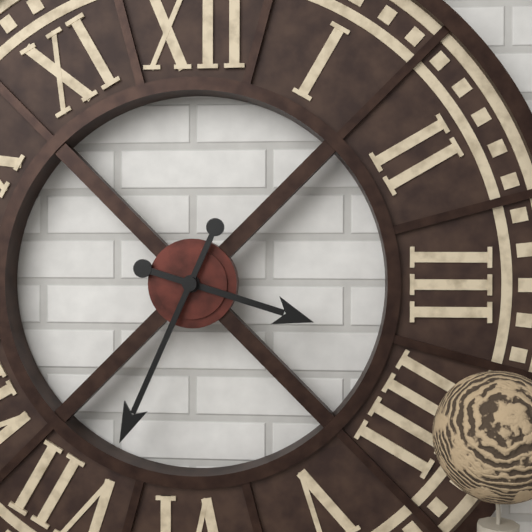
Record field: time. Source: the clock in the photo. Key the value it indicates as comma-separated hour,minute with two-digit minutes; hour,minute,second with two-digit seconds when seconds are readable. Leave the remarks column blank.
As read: 3,34
